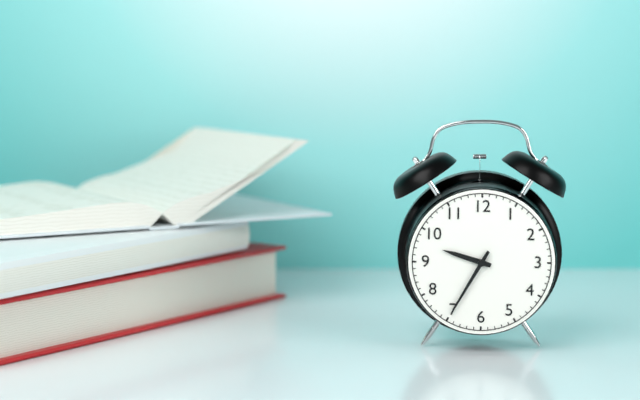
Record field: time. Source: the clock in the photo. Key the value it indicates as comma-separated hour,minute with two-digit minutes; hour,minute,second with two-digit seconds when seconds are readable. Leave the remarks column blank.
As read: 9,35
